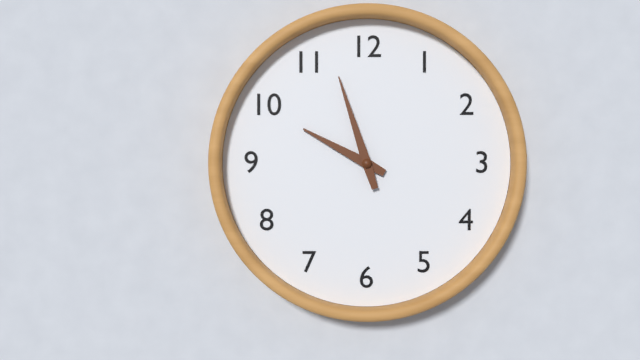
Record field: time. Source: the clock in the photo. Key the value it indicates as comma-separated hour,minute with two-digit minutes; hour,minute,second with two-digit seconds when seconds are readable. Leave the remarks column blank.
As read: 9,57
